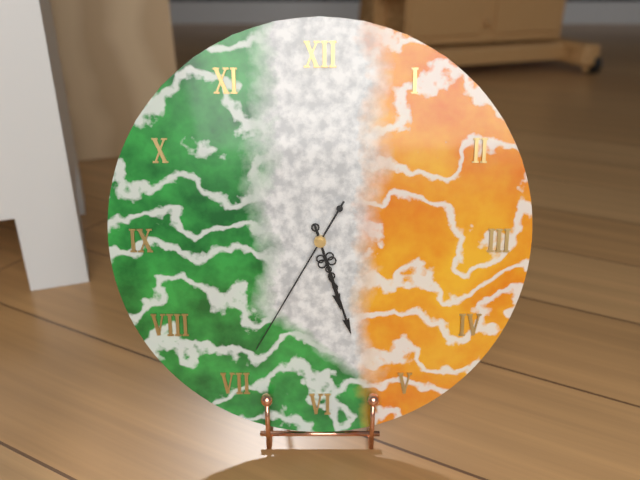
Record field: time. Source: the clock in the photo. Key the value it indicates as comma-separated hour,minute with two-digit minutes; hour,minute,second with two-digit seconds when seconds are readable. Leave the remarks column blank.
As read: 5,27,35
